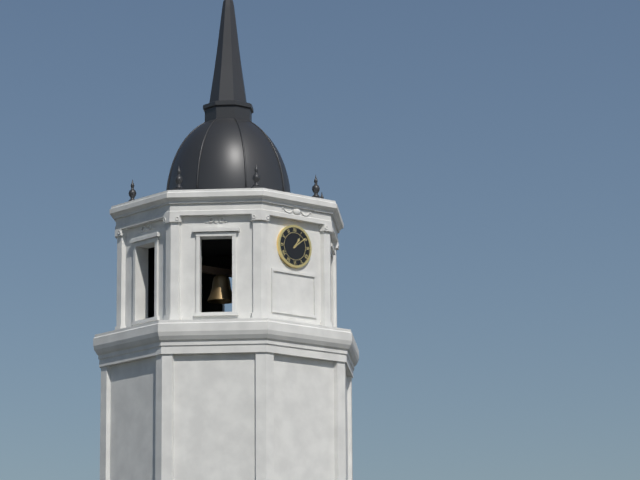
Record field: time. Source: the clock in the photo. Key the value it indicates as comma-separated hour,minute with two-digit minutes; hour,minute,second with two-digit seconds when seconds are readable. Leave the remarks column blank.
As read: 1,09
